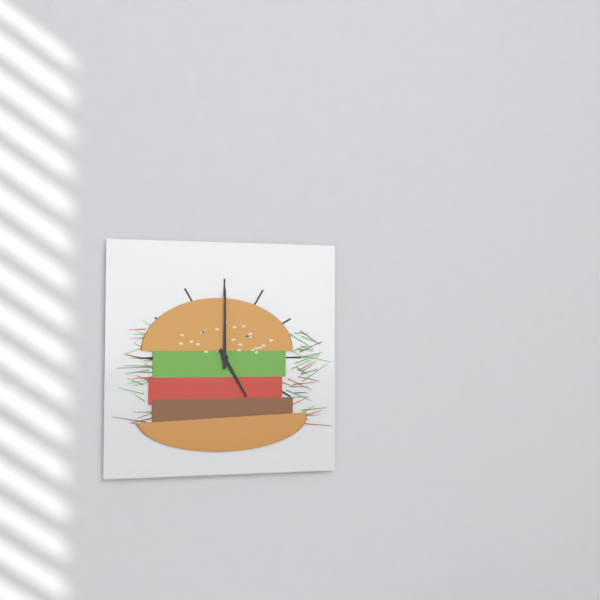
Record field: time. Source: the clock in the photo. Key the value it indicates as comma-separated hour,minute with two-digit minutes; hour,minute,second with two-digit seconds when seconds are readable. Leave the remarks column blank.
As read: 5,00
